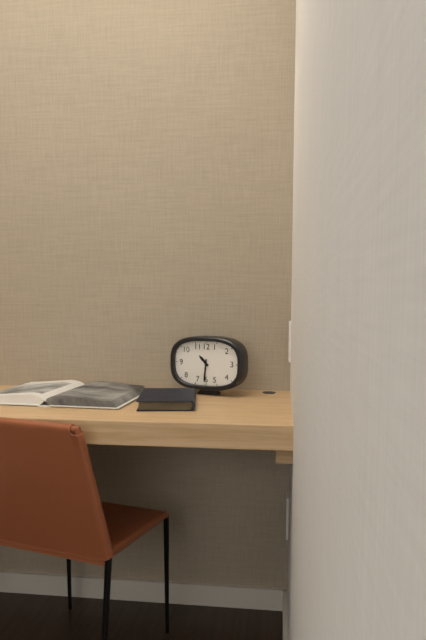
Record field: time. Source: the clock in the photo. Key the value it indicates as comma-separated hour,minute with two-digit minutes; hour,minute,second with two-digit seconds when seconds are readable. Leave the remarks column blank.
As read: 10,31
